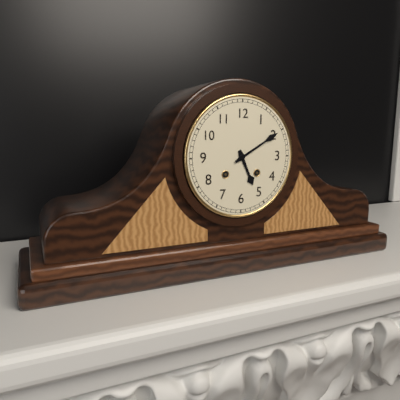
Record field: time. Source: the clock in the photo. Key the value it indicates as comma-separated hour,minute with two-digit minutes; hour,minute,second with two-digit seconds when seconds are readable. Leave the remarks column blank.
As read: 5,10
